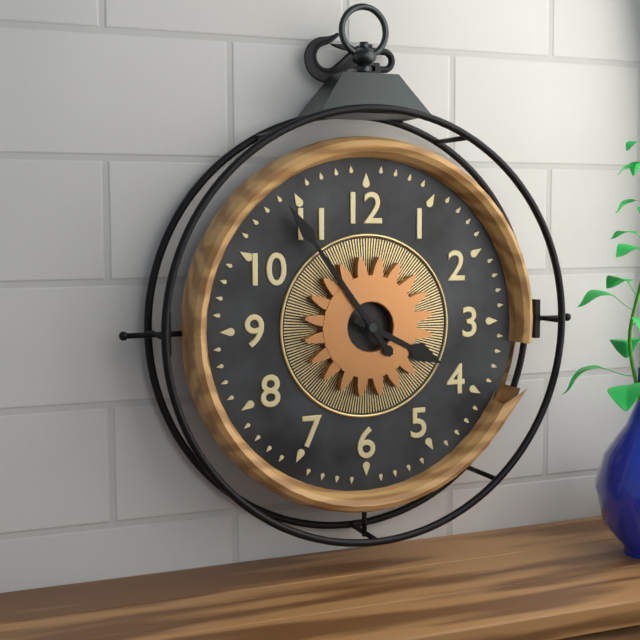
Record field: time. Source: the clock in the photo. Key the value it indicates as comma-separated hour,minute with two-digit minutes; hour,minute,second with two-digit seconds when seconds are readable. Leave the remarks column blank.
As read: 3,54
